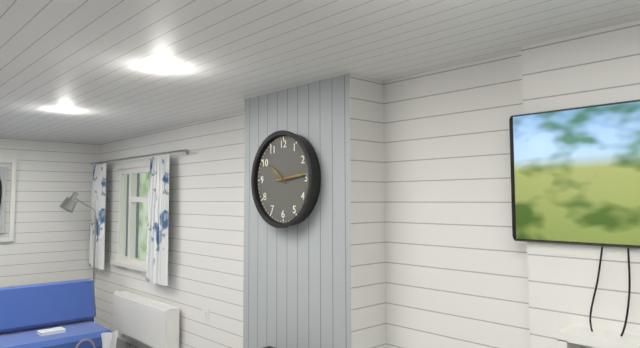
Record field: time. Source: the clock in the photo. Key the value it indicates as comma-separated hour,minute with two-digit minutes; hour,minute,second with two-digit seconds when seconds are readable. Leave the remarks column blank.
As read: 10,14
